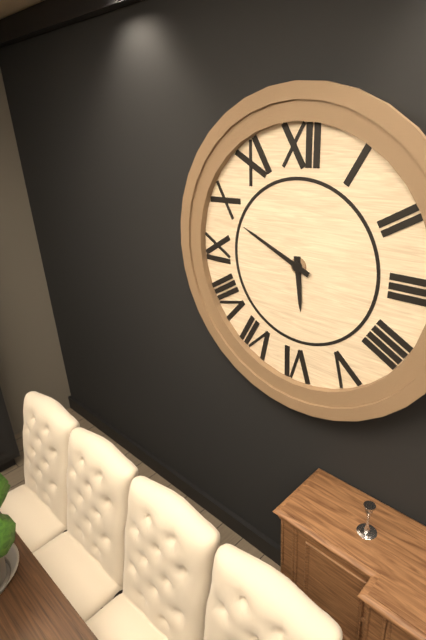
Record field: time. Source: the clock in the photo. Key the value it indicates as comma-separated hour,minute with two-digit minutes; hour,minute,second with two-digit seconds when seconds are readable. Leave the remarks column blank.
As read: 5,49
